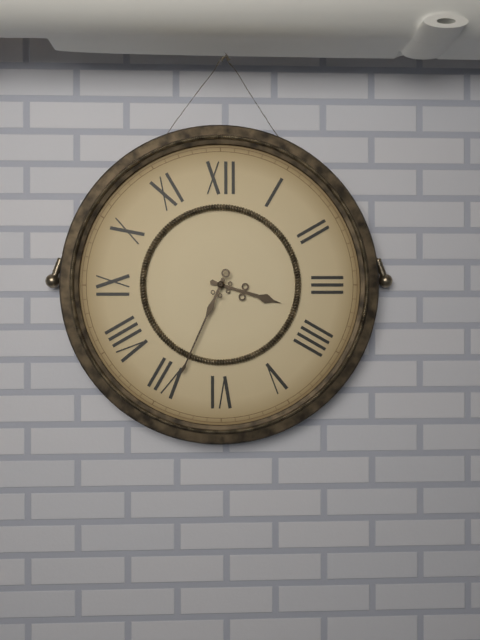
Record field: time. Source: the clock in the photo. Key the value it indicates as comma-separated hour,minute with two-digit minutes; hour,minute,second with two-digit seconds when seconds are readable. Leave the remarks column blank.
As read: 3,34
